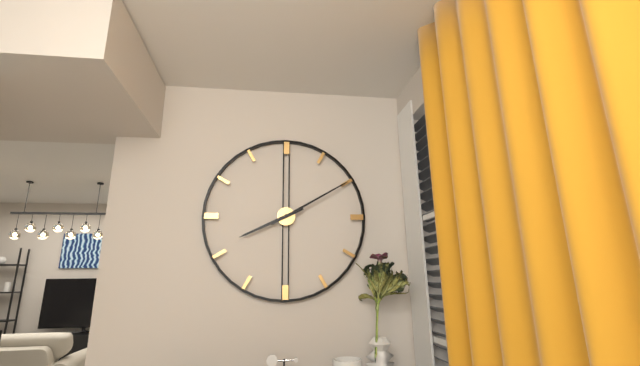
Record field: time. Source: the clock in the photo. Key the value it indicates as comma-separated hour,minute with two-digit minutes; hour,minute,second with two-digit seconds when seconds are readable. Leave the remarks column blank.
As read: 8,10
